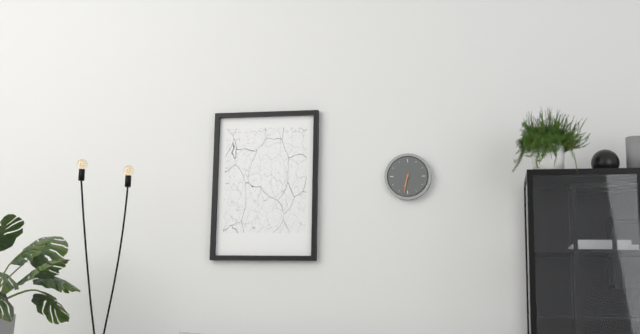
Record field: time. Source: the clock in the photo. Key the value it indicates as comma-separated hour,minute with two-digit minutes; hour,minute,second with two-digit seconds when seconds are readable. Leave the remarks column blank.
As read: 6,32
